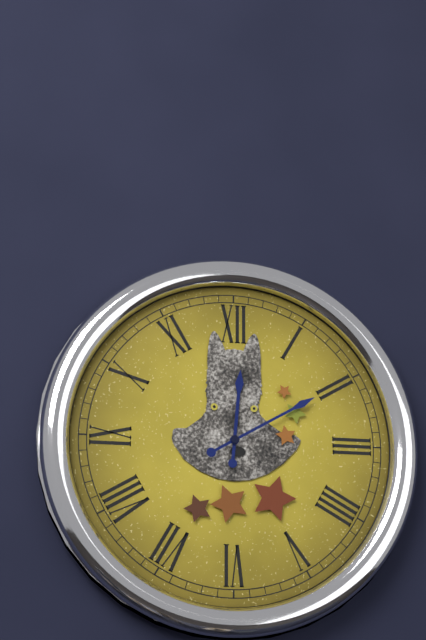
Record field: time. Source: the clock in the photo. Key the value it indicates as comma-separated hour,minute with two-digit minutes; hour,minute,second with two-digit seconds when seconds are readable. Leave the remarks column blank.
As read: 12,10
